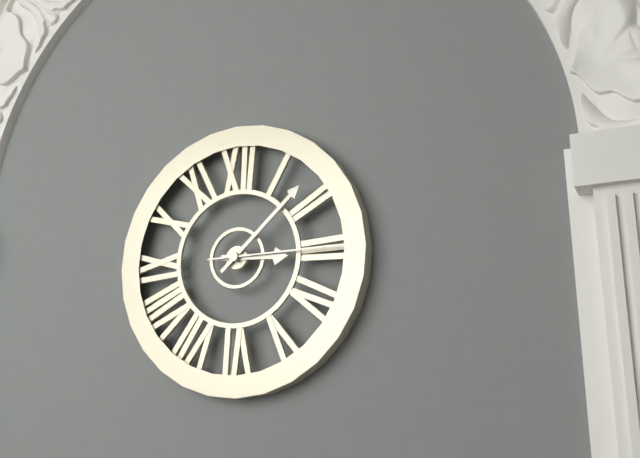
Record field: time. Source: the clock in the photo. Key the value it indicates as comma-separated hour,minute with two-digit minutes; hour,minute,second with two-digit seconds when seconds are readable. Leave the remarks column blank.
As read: 3,08,15
